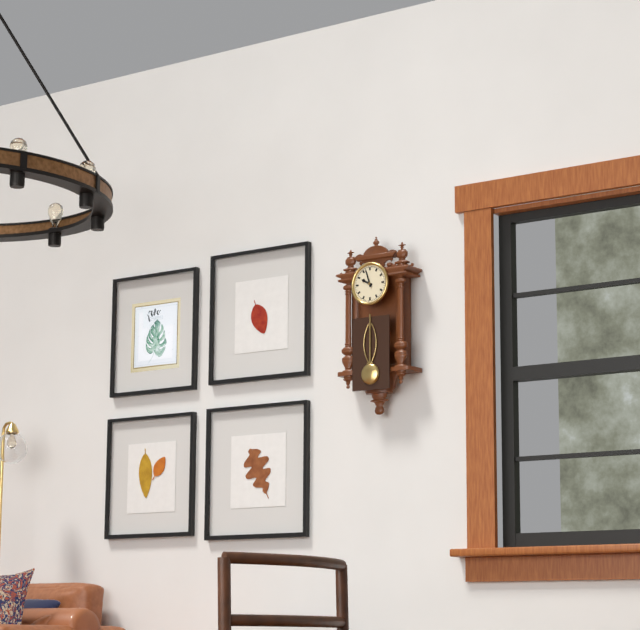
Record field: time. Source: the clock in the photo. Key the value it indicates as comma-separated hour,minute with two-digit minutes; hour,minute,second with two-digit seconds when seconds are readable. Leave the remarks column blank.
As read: 9,57
